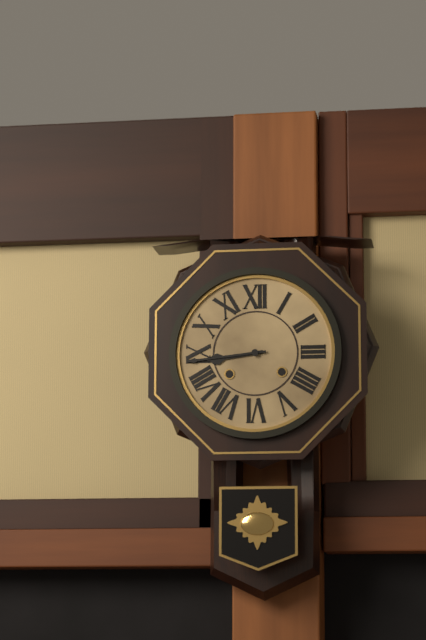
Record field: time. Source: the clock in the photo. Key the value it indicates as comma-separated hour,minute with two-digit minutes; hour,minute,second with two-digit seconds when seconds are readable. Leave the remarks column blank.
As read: 8,44
